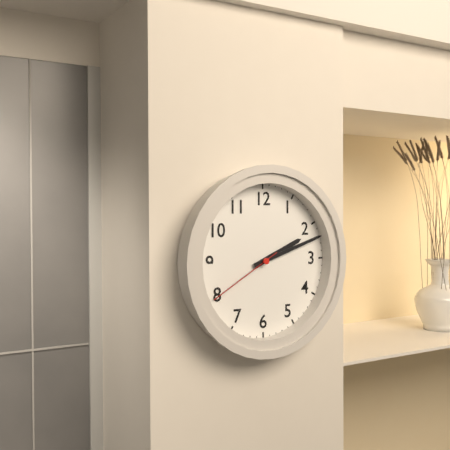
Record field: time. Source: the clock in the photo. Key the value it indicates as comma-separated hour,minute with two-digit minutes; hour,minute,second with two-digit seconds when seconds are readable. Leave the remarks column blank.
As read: 2,12,40
